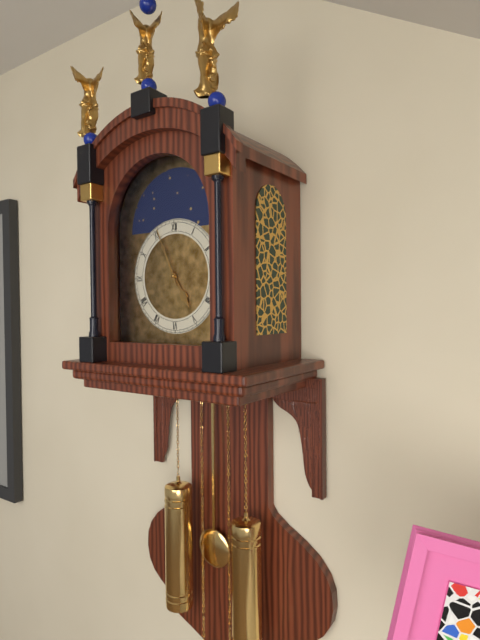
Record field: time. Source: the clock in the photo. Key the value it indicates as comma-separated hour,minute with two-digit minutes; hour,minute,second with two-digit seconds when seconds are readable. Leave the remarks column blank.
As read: 4,56
